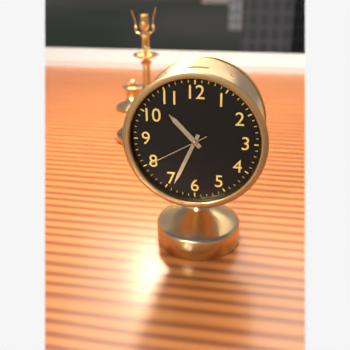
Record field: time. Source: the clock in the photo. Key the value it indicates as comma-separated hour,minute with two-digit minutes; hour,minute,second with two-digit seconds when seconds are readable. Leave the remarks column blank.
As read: 10,34,40
